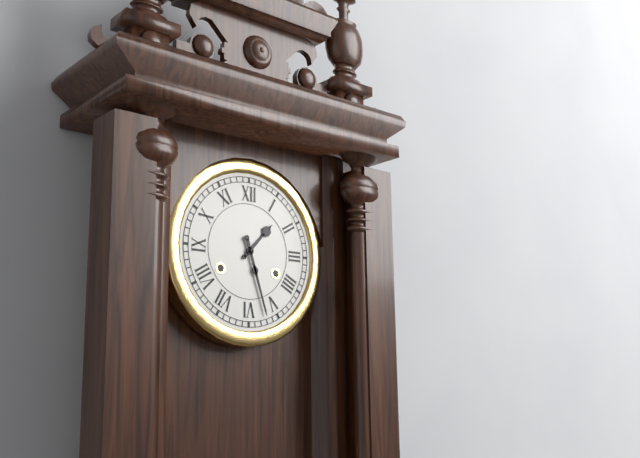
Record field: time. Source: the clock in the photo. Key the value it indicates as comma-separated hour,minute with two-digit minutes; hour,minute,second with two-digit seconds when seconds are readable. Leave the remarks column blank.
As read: 1,27
